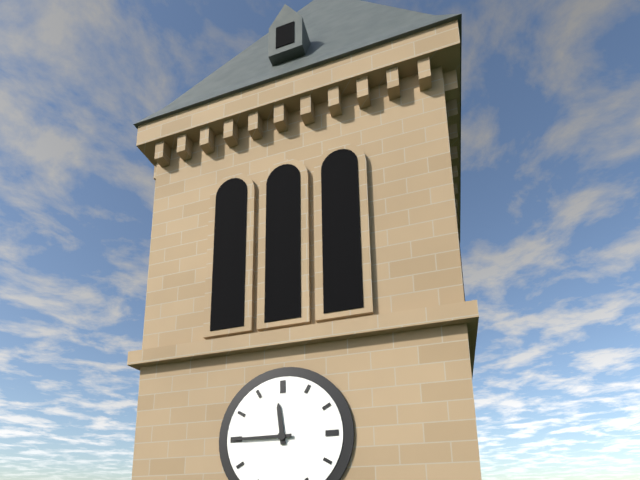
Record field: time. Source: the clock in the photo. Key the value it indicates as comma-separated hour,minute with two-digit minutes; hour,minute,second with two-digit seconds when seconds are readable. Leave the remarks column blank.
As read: 11,45
